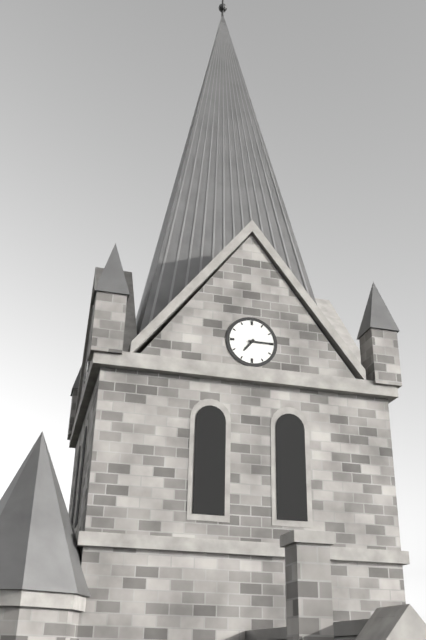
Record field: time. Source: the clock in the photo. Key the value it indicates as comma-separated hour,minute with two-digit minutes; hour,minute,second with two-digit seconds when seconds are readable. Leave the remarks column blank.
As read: 7,15
